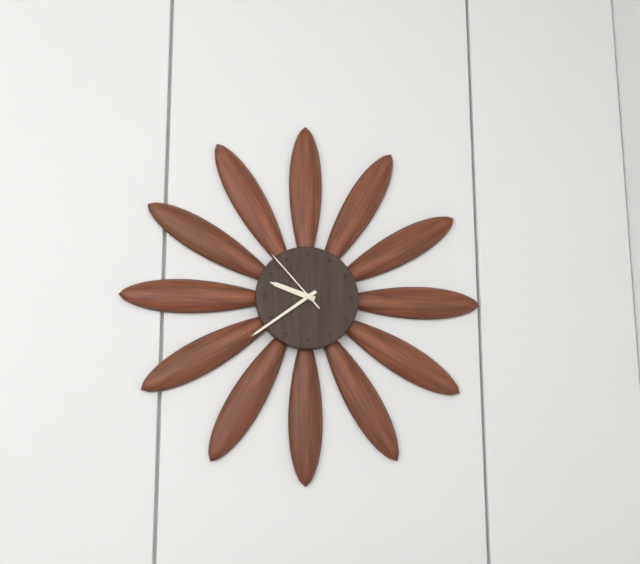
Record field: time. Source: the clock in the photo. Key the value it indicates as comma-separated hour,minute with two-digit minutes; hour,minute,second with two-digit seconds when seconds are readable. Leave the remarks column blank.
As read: 9,39,53
